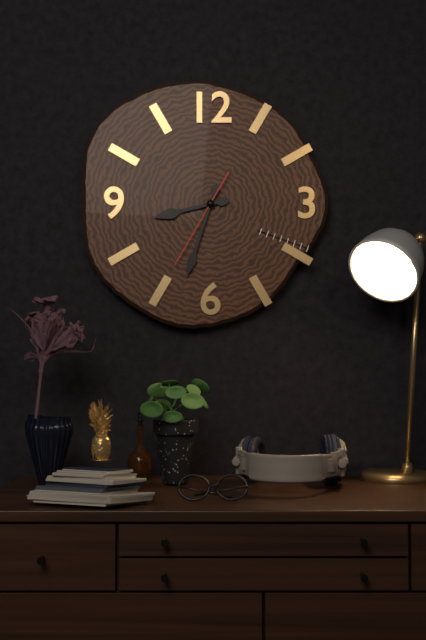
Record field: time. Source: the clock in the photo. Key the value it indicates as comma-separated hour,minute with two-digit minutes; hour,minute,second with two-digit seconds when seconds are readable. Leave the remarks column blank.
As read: 8,33,35
